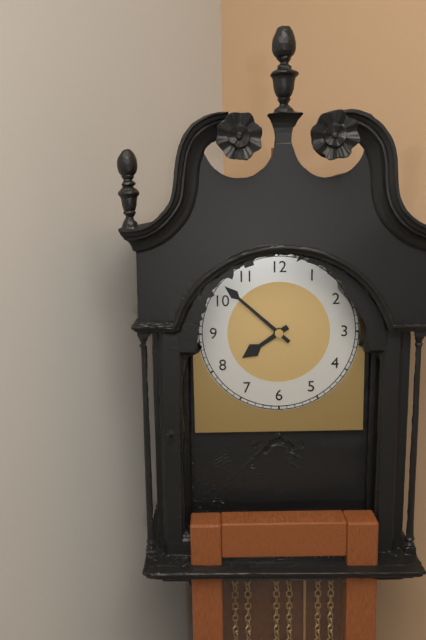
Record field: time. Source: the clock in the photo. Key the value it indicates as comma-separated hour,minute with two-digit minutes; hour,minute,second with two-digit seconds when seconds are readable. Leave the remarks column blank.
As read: 7,52
